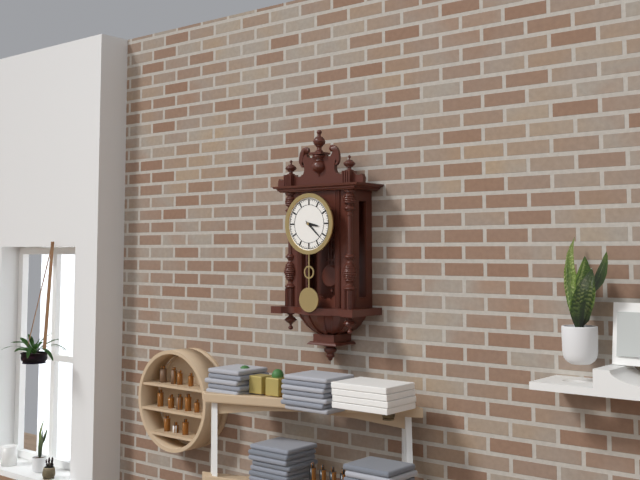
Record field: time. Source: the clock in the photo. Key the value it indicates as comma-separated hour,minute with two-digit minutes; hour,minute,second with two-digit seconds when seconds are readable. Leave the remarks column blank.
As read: 3,22
